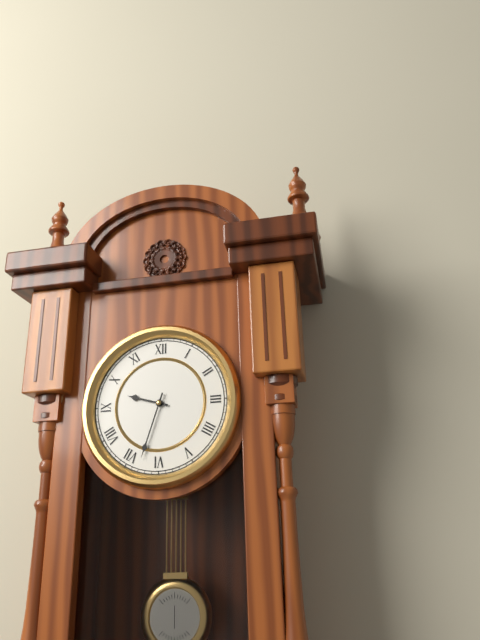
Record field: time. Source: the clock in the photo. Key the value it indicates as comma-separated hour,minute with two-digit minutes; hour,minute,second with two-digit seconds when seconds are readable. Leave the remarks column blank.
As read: 9,33
